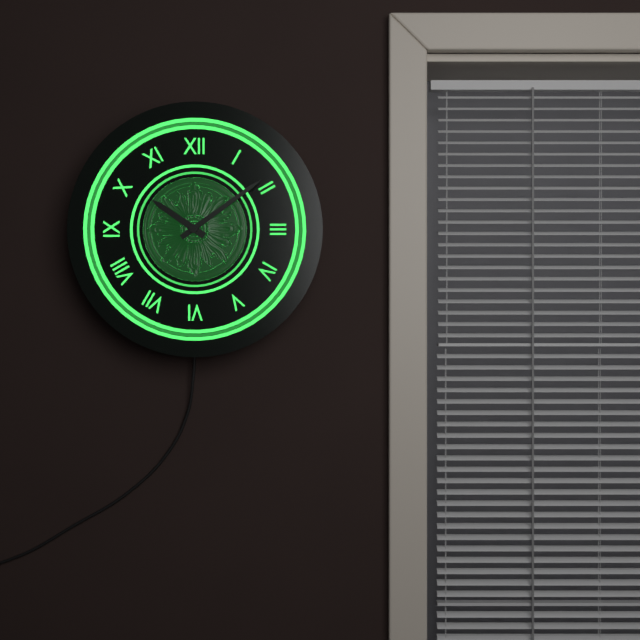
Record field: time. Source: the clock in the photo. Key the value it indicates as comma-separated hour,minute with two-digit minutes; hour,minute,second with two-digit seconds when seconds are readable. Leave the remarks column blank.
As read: 10,09
